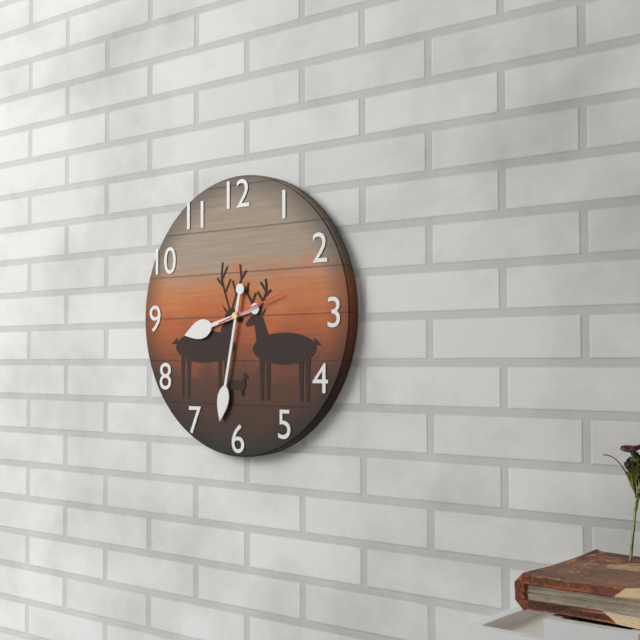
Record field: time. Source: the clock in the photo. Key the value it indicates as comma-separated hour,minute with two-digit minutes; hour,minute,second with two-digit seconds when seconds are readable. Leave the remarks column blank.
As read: 8,32,12
